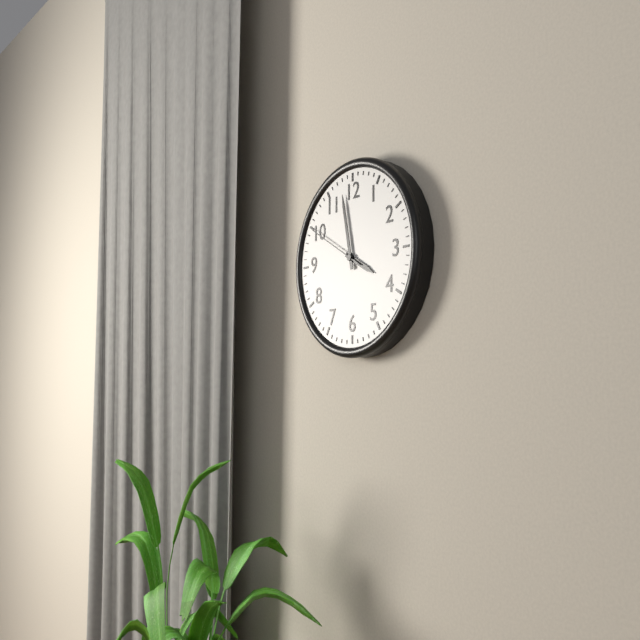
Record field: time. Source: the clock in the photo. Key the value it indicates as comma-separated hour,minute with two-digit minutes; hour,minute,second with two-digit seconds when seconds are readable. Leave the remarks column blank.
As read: 3,58,50
